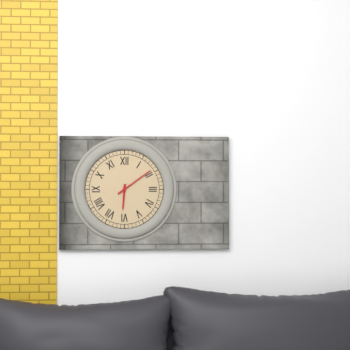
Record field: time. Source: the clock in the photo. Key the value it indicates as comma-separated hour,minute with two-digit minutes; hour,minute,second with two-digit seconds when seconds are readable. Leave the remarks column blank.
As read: 6,09
